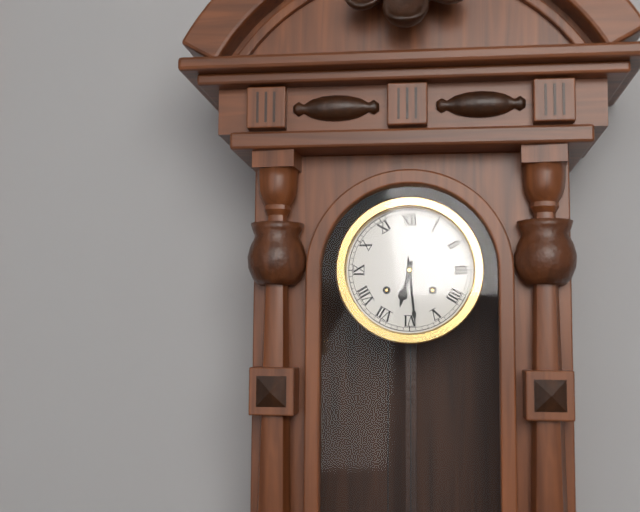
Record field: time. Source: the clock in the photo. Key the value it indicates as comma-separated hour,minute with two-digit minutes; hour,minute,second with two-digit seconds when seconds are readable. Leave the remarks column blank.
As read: 6,29
